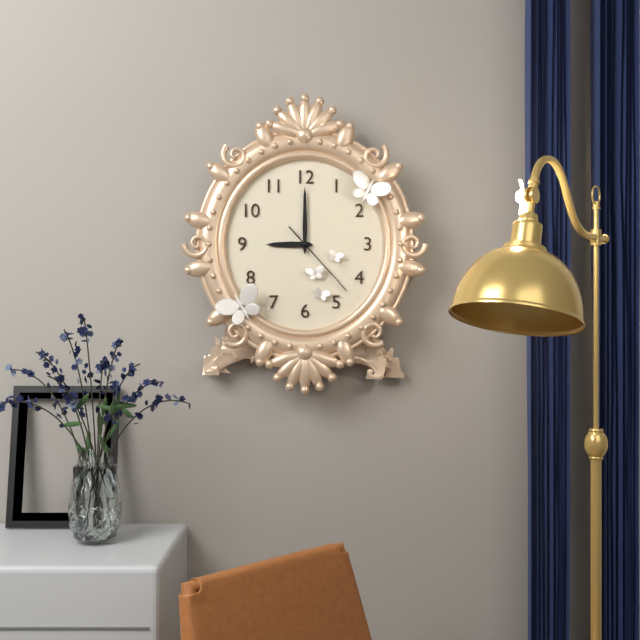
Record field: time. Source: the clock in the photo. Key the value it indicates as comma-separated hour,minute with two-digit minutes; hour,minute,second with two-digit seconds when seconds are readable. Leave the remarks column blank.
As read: 9,00,23
